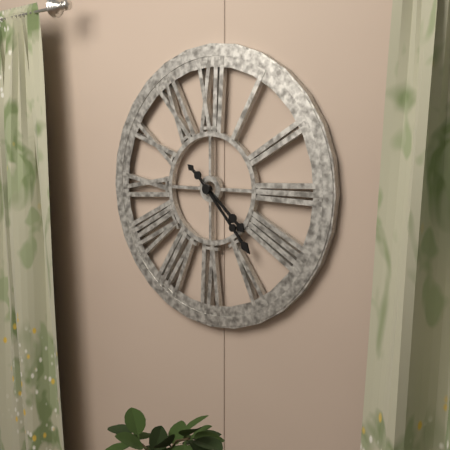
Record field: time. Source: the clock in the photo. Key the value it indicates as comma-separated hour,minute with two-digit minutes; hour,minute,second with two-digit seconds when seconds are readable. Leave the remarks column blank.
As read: 4,23
